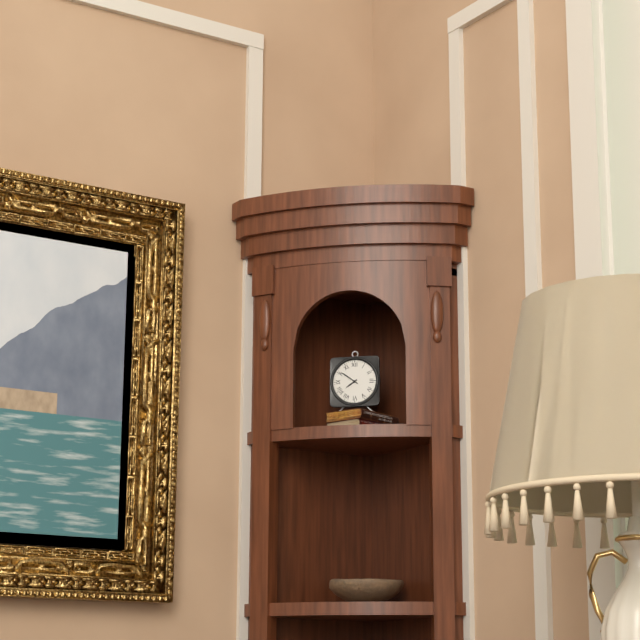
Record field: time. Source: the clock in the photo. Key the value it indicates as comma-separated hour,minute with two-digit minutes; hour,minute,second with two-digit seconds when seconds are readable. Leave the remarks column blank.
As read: 7,51
